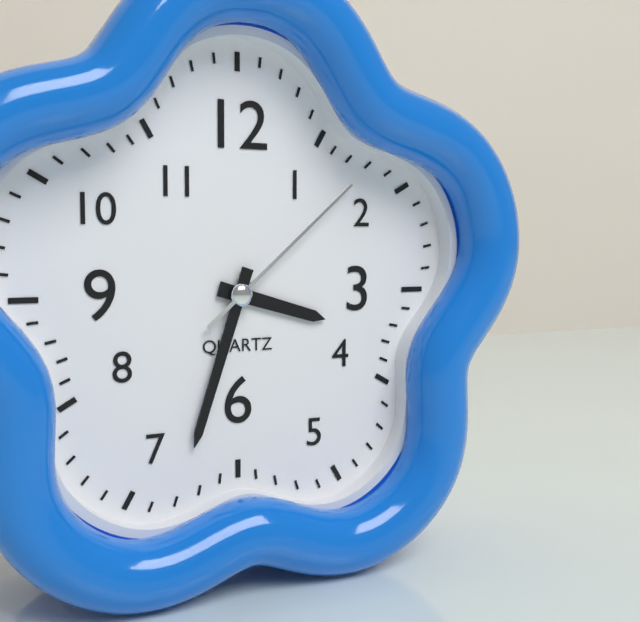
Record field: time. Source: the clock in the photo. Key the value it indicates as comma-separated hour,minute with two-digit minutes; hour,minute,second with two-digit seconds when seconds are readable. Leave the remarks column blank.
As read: 3,33,08
